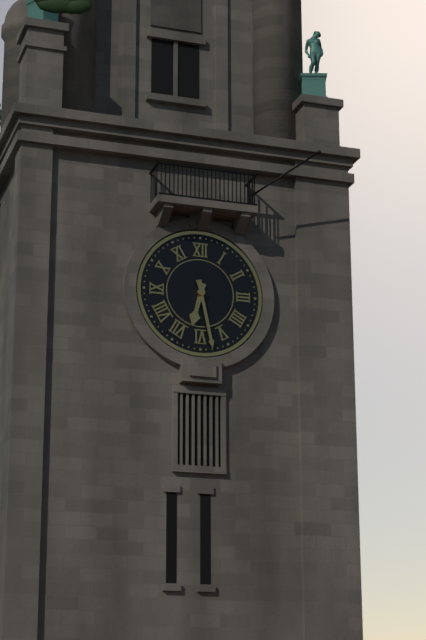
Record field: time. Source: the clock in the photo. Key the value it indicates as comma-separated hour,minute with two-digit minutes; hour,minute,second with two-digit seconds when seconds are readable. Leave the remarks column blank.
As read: 6,28
